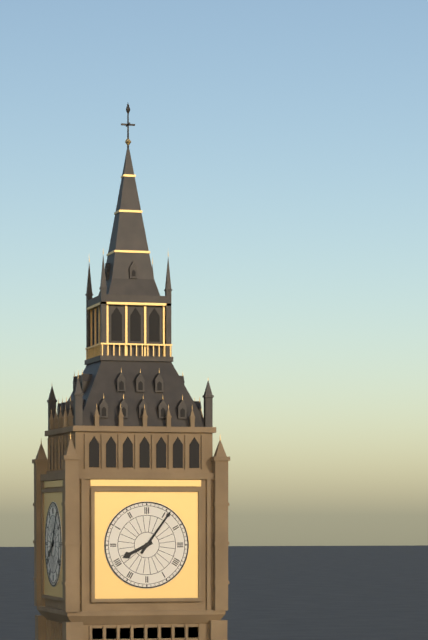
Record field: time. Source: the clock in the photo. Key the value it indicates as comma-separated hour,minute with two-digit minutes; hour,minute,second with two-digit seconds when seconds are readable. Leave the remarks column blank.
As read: 8,06
